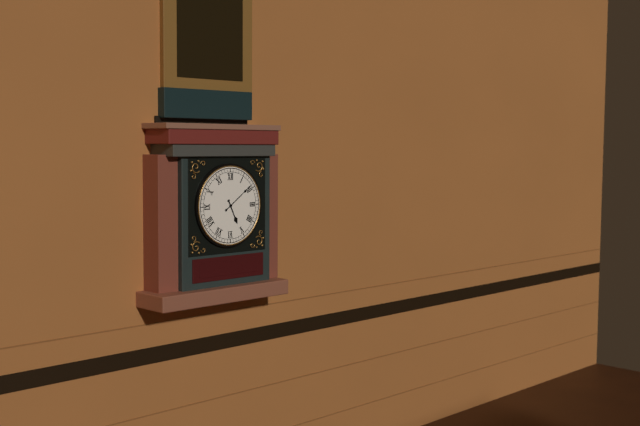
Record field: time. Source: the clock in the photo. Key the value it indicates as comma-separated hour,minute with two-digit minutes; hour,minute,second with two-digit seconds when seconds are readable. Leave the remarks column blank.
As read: 5,09
